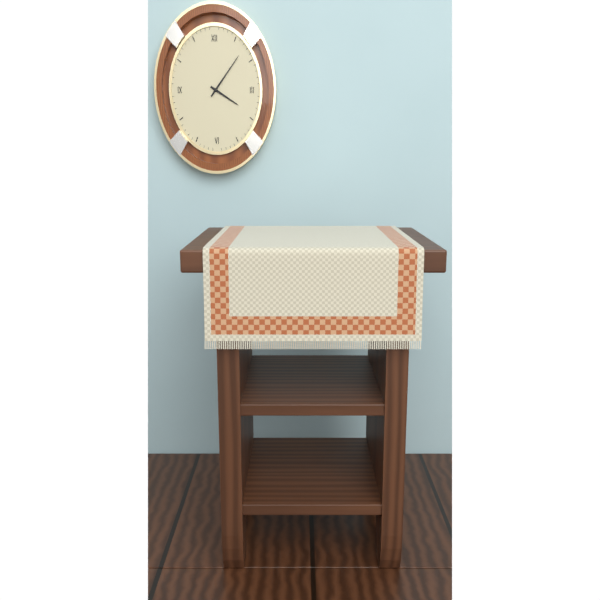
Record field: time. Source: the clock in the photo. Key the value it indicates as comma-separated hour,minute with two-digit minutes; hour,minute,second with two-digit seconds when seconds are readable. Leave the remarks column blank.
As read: 4,06
